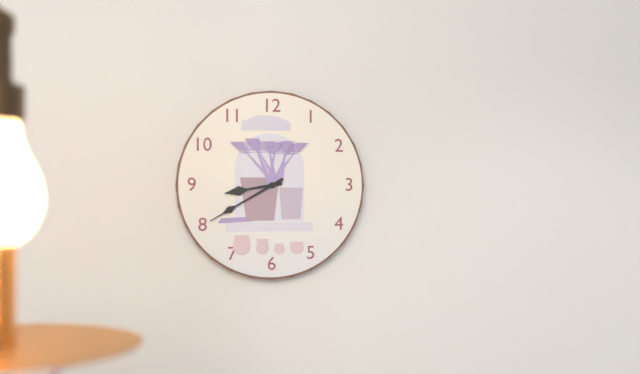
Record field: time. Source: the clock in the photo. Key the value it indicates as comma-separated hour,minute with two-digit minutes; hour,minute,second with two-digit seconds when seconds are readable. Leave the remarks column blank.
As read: 8,40
